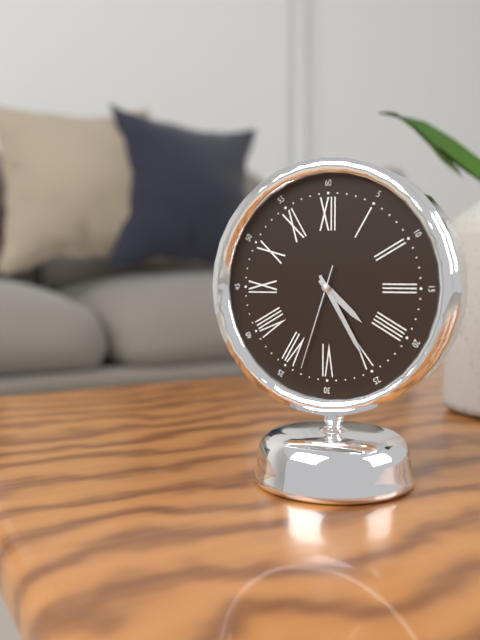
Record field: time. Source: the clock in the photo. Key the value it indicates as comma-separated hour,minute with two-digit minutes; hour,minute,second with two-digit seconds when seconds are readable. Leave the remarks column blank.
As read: 4,25,33
